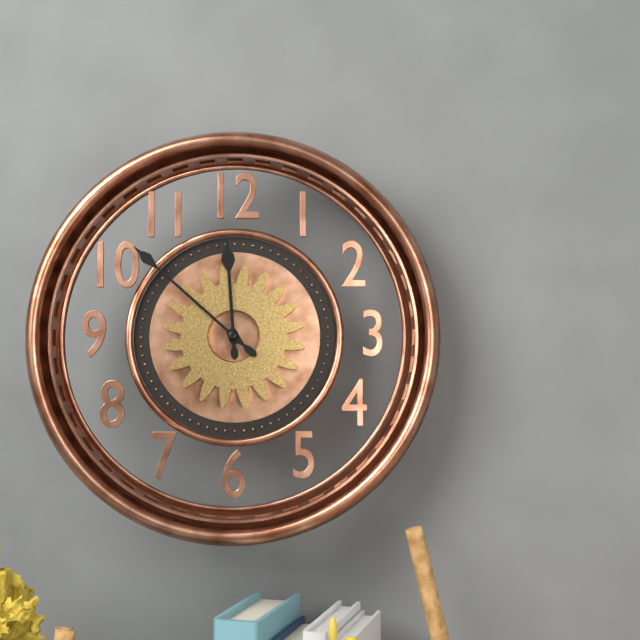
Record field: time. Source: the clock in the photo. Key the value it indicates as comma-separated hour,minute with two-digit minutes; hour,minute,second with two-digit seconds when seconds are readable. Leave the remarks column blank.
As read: 11,52
